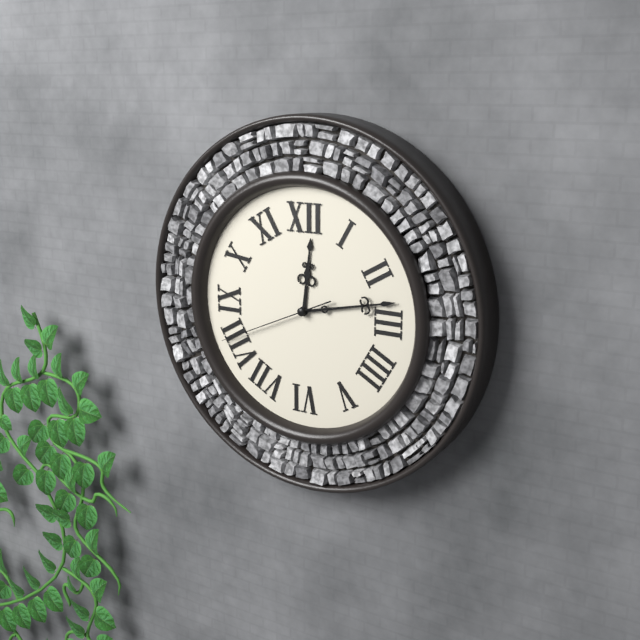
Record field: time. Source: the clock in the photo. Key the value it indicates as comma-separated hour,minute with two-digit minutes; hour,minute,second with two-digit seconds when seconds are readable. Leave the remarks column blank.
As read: 12,13,41
